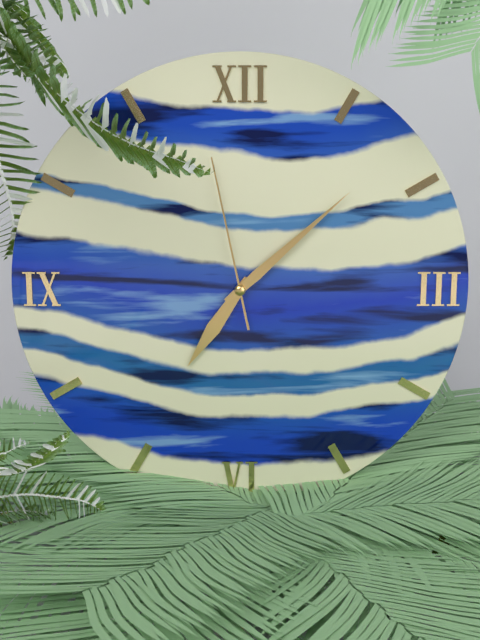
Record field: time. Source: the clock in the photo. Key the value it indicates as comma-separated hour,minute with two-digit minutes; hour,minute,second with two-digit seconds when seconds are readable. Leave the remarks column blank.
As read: 7,08,58
